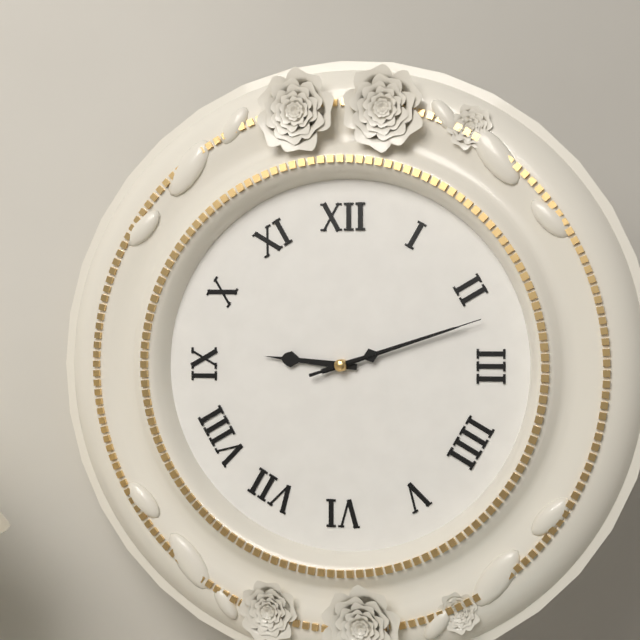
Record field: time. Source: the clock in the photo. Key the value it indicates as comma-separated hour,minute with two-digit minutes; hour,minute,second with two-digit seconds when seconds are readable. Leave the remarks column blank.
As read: 9,12,12
